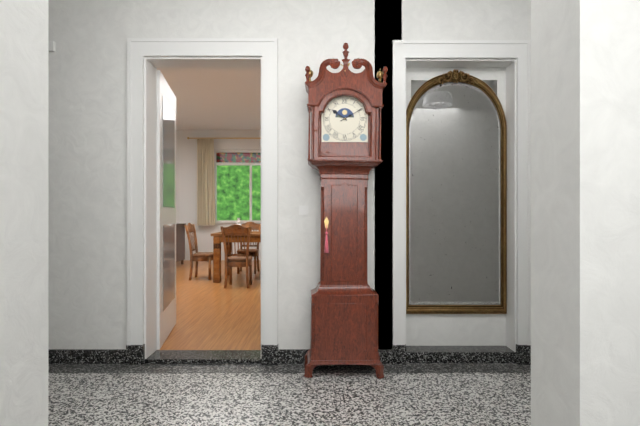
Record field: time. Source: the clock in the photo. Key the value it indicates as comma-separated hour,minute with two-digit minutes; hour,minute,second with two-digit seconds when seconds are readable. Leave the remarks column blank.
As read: 10,10
